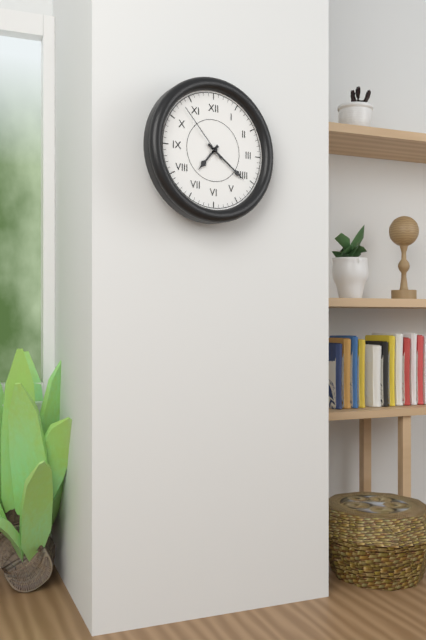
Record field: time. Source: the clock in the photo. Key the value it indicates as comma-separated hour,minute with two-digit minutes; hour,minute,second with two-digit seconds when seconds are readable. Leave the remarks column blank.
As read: 7,21,53
